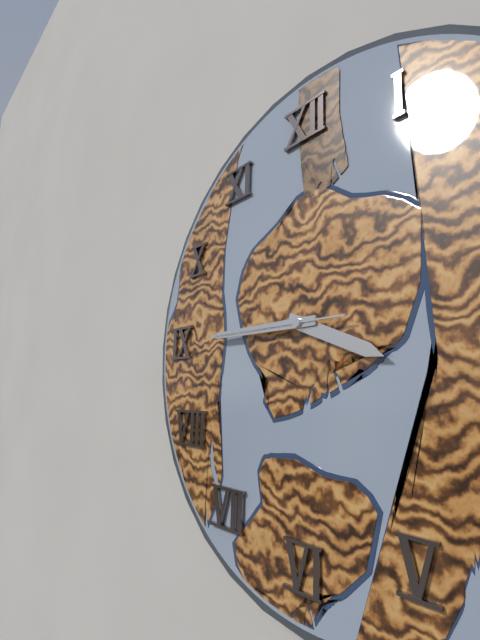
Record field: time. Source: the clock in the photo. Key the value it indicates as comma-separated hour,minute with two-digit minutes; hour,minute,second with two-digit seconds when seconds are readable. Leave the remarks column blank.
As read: 3,45,45
